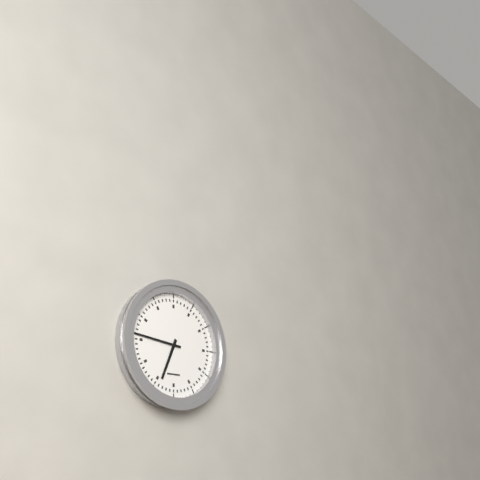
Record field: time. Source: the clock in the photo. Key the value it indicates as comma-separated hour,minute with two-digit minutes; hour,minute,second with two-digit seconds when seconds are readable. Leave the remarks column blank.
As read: 6,46
